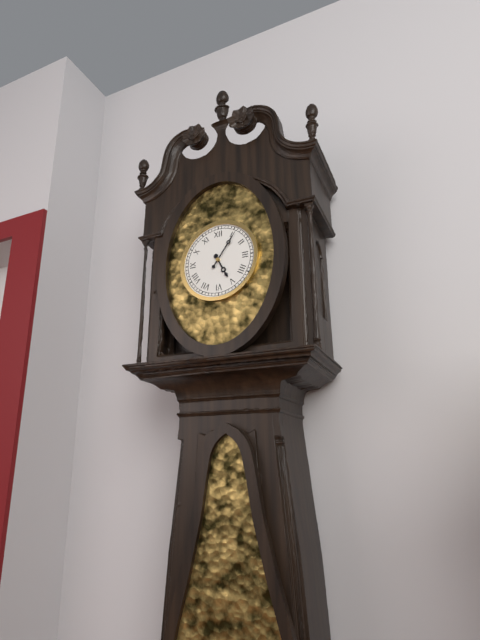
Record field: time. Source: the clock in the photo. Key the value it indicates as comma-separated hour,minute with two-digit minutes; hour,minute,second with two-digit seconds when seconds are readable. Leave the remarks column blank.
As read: 5,06
